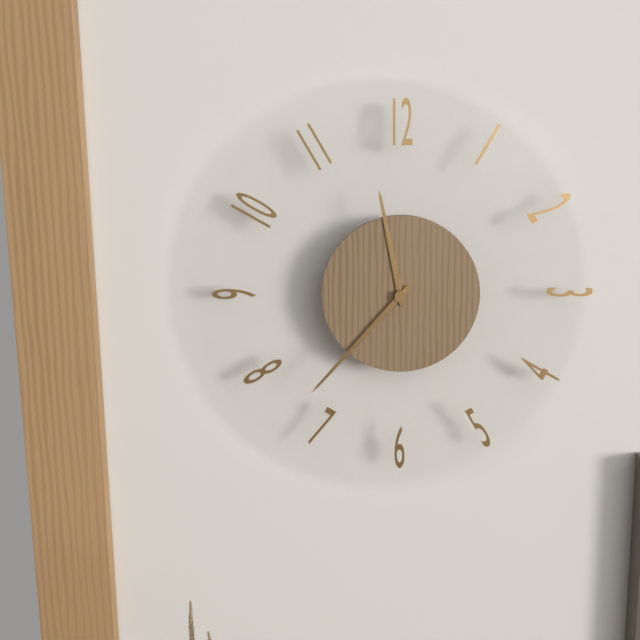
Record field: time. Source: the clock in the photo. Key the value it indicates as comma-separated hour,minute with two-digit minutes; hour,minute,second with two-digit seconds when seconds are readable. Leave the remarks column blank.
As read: 11,37
